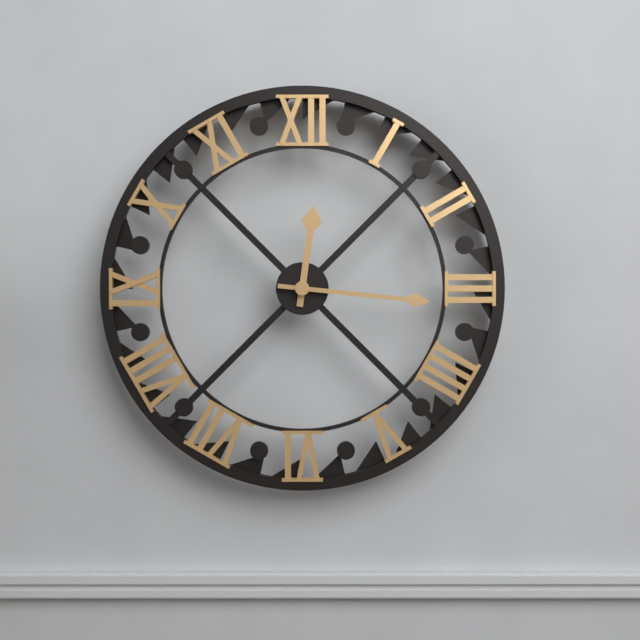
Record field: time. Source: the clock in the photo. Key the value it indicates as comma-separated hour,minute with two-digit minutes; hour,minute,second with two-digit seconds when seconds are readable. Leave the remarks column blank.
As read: 12,16
